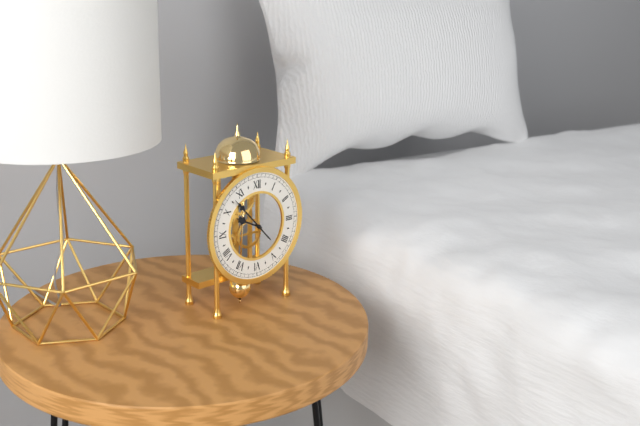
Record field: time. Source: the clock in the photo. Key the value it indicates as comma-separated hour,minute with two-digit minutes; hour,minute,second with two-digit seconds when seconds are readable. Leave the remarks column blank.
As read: 9,53
